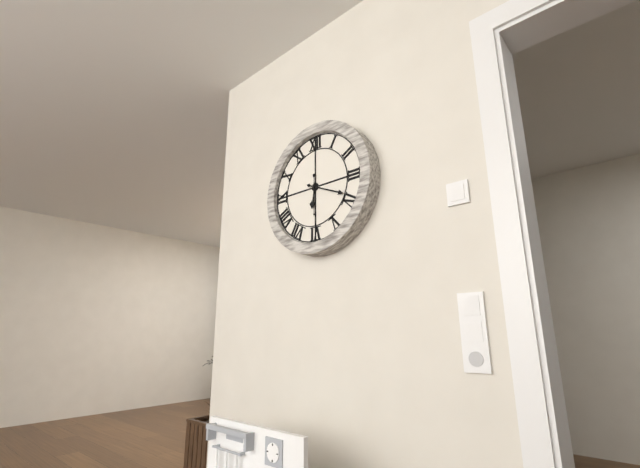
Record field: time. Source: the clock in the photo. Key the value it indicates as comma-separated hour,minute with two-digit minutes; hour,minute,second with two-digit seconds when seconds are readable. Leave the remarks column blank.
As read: 6,19
